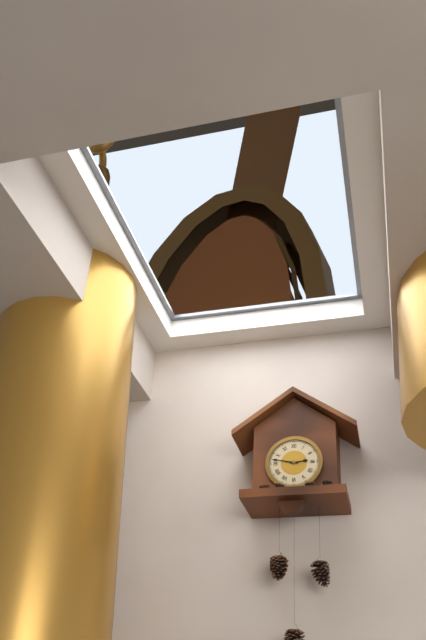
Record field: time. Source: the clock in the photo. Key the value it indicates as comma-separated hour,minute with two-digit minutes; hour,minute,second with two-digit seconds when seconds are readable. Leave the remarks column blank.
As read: 2,47
